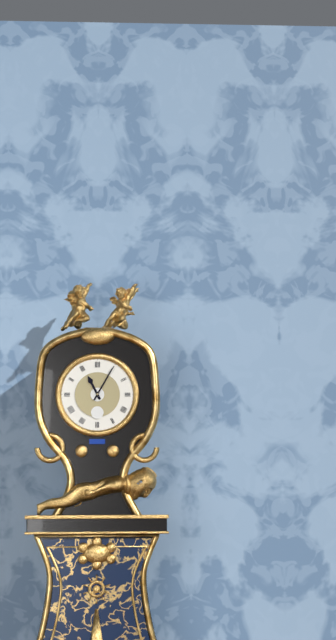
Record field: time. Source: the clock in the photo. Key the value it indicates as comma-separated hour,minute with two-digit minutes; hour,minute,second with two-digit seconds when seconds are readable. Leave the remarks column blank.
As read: 11,05
